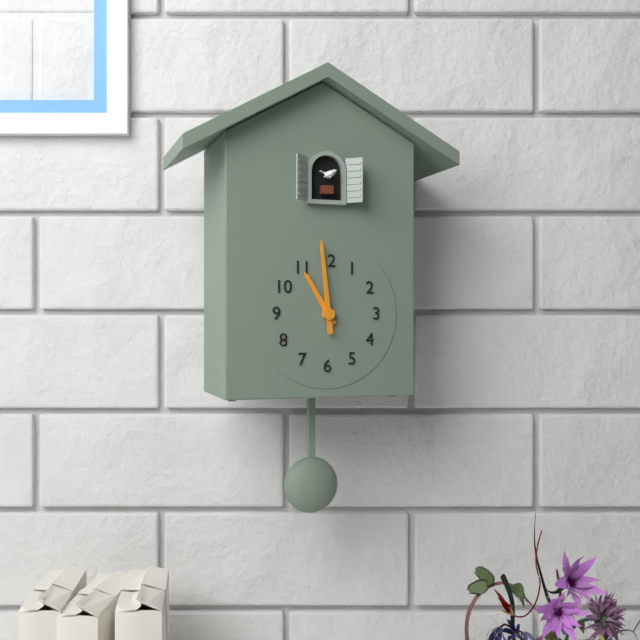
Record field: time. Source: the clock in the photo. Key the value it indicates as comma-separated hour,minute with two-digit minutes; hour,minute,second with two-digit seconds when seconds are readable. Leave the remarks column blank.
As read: 10,59
